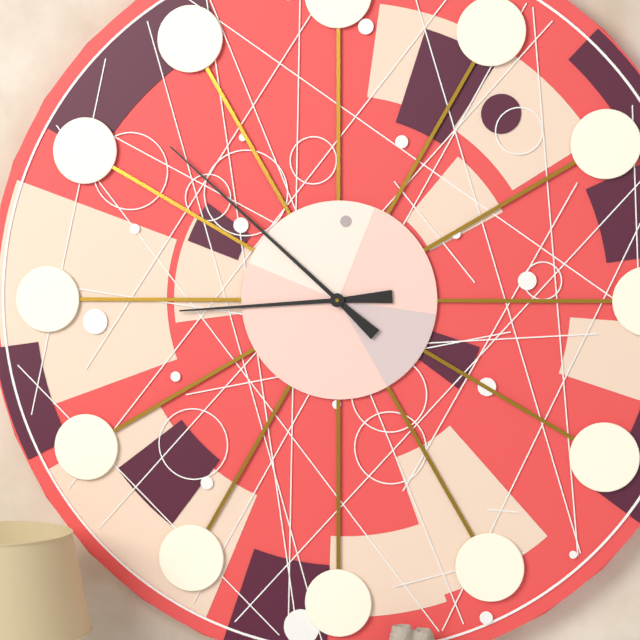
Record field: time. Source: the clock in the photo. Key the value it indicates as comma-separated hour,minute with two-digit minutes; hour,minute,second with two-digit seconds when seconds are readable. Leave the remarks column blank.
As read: 8,52
